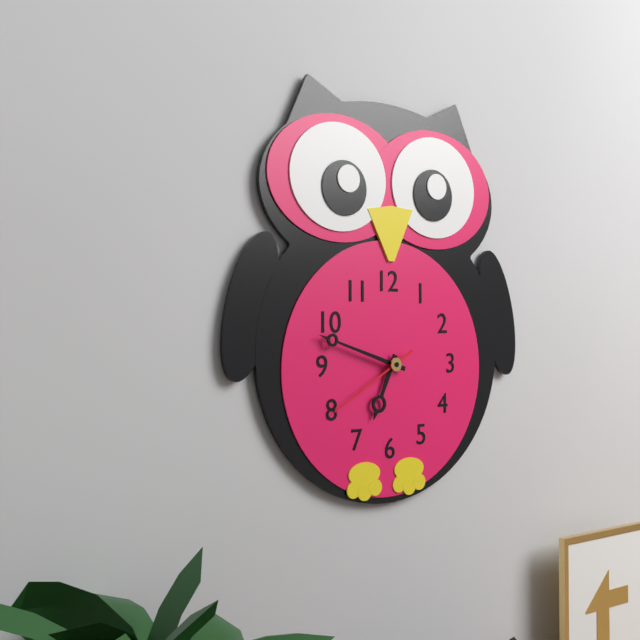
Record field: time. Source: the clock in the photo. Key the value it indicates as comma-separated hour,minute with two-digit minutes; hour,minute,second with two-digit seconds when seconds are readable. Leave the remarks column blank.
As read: 6,48,40
